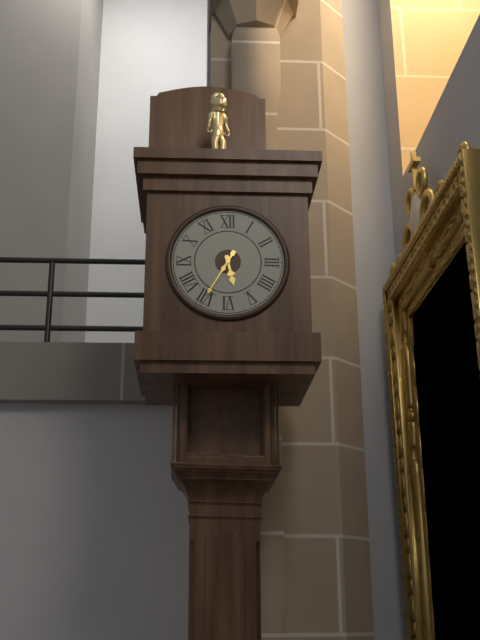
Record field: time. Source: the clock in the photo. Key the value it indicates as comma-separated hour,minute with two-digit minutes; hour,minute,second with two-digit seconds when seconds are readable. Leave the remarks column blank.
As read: 5,35
